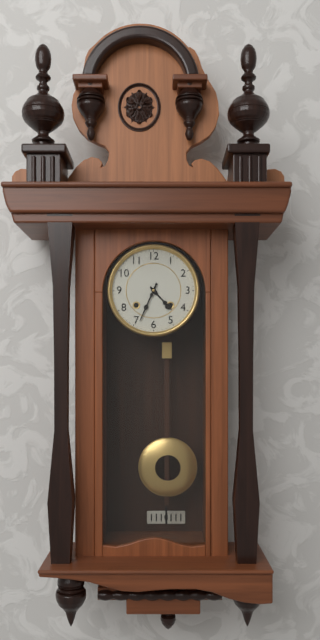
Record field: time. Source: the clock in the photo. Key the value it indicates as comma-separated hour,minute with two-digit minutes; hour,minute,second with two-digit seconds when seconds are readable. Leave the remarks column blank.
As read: 4,34
